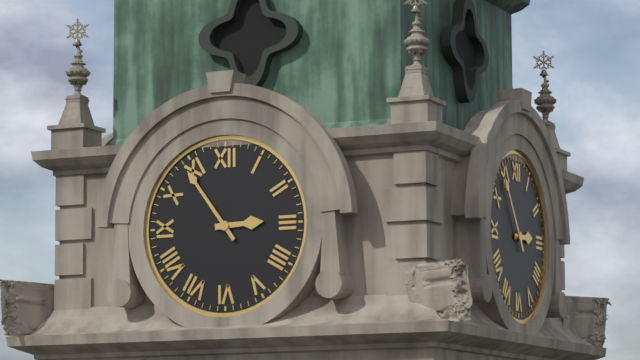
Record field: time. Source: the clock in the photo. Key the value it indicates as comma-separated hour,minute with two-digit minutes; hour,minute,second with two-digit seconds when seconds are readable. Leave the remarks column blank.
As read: 2,54
